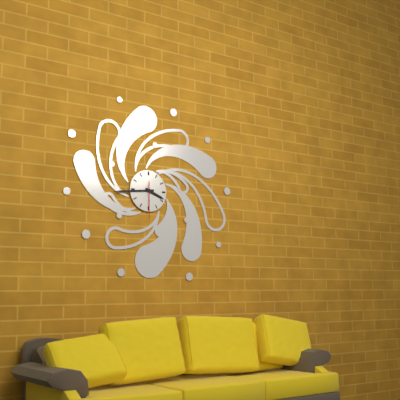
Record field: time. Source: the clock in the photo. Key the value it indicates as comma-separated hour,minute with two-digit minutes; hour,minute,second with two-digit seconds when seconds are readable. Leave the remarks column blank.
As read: 3,44
